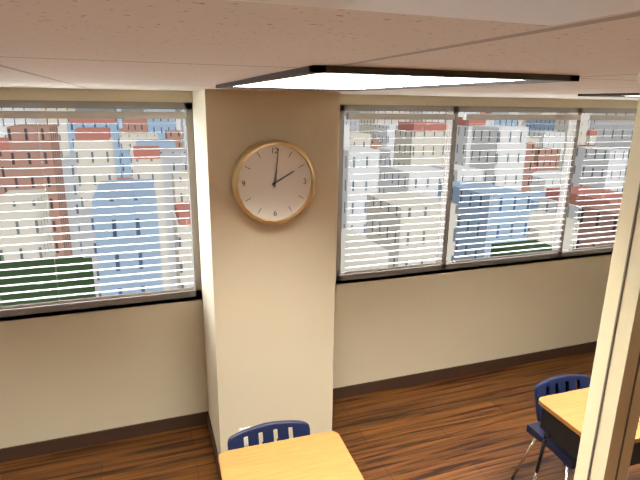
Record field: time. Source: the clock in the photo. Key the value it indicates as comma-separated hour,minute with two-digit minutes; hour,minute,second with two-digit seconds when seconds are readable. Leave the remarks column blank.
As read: 2,01
